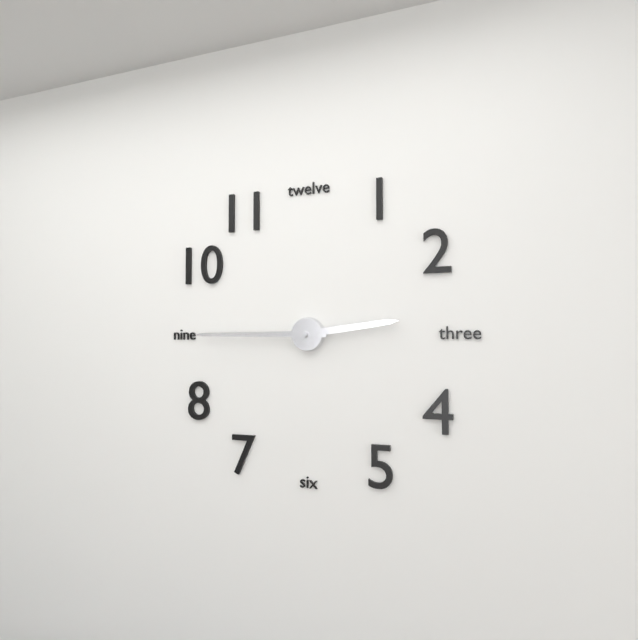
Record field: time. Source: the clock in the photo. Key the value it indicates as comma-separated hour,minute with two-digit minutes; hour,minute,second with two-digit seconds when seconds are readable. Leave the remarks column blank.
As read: 2,45
